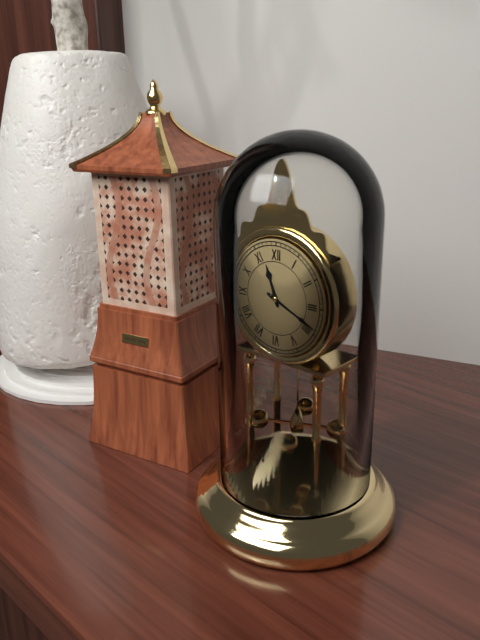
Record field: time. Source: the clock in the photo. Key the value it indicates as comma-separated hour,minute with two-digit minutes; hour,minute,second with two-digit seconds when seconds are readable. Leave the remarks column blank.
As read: 11,19
